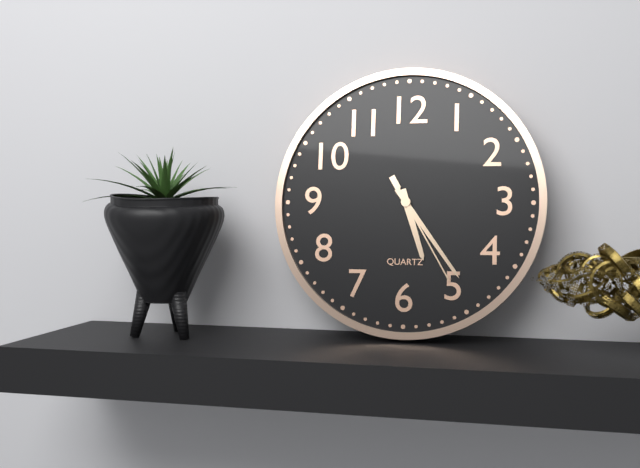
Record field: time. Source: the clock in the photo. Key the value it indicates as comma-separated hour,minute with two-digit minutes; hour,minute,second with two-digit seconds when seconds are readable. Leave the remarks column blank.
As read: 5,24,25
